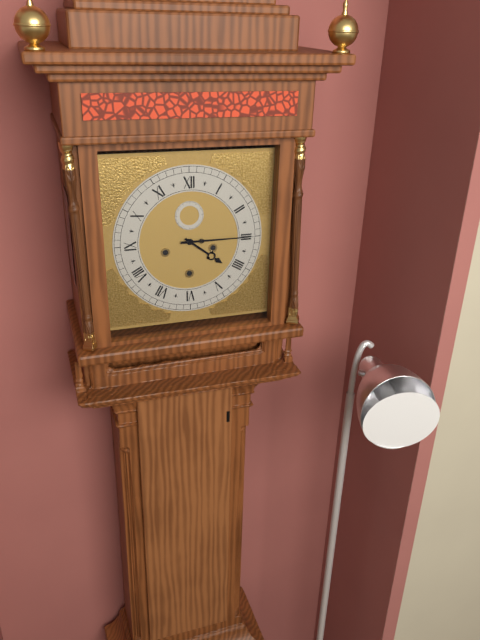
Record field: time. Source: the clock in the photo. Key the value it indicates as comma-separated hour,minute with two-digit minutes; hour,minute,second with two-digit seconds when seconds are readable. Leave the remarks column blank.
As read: 4,15
